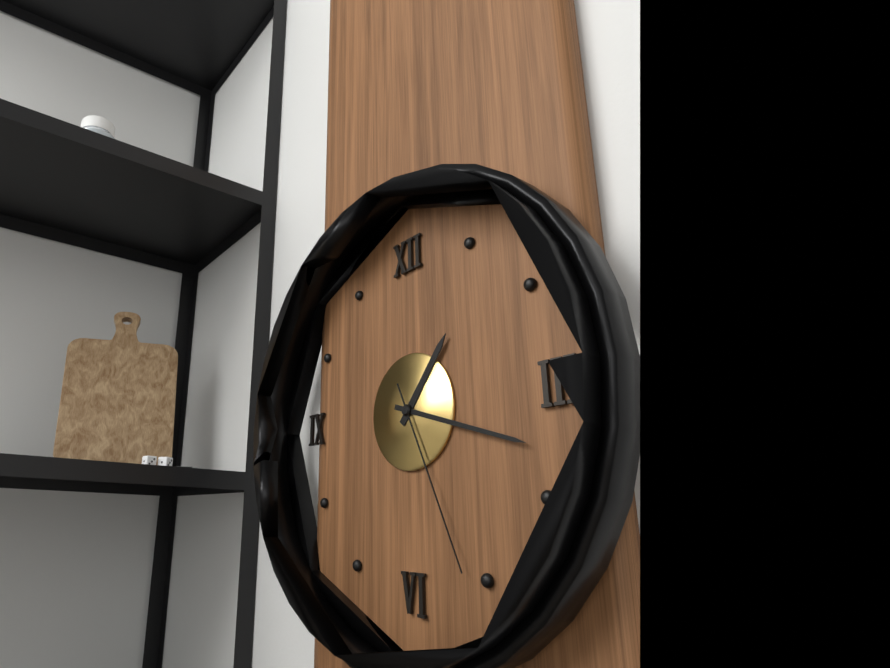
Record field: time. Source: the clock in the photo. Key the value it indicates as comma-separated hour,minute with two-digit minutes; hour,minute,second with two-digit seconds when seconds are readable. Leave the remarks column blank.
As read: 1,18,26
